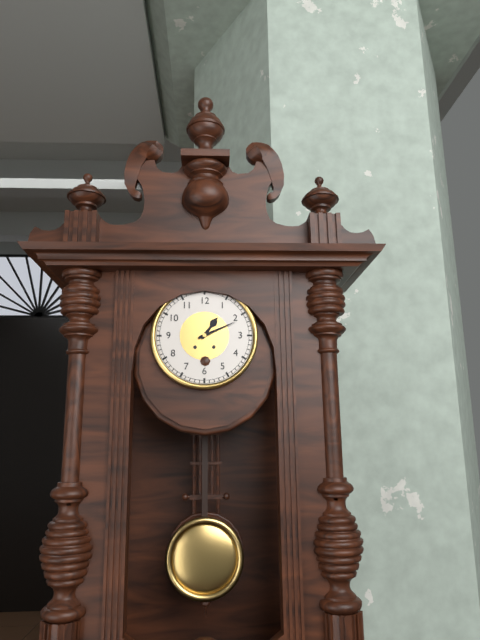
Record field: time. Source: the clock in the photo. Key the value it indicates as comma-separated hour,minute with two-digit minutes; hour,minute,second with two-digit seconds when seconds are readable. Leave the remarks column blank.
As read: 1,11
